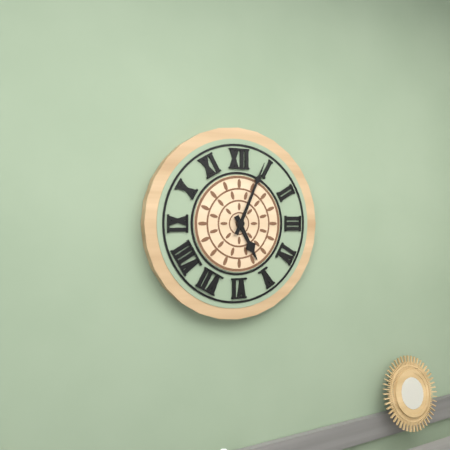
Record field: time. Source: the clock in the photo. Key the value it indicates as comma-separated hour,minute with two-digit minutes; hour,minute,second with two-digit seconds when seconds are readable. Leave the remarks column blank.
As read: 5,04
